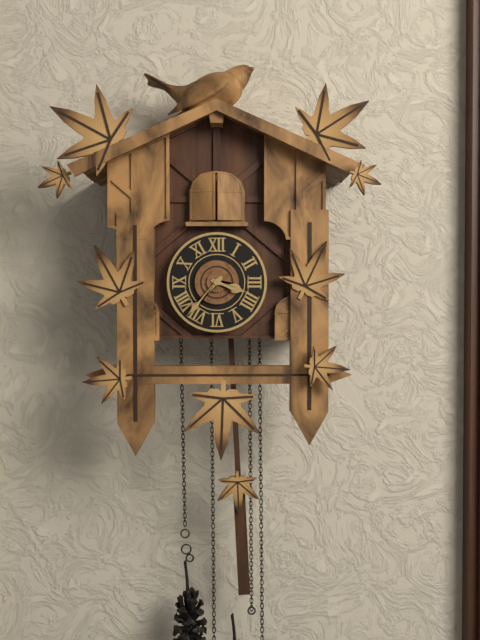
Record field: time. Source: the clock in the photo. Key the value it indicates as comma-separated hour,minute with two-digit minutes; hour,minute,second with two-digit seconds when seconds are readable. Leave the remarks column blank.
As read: 3,37
